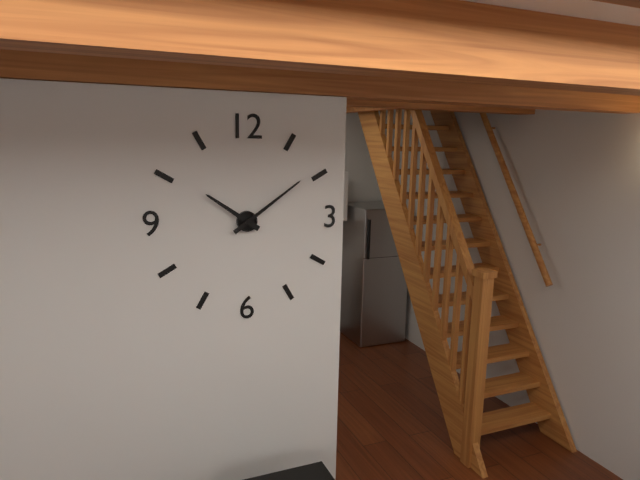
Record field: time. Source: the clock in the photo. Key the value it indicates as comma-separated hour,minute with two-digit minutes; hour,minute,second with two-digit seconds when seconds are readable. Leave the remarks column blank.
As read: 10,09
